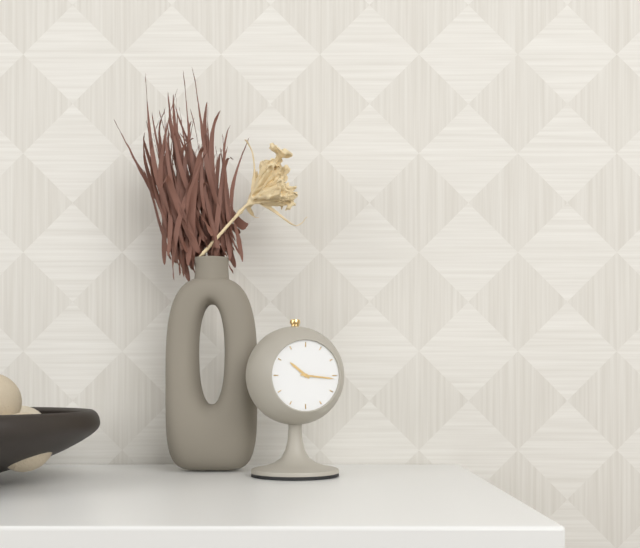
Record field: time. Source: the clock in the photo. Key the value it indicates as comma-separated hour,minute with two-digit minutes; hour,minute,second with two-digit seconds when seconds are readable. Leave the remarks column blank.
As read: 10,16
